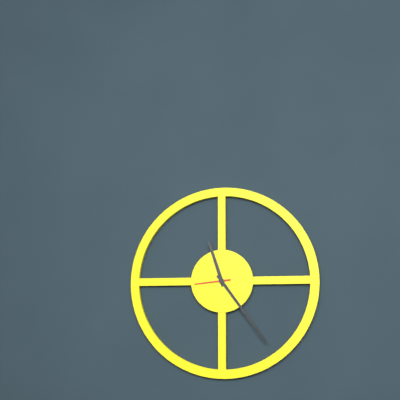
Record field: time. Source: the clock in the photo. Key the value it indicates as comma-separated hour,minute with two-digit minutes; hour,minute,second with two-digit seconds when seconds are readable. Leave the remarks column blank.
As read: 11,24
